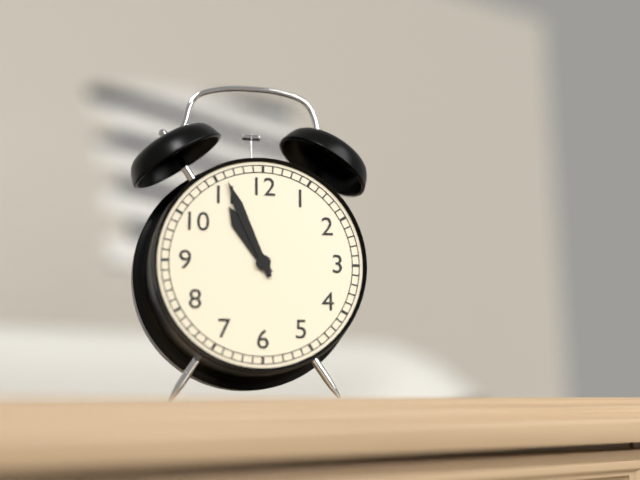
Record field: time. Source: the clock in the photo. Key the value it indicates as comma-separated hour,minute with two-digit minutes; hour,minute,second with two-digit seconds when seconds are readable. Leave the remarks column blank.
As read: 10,56
